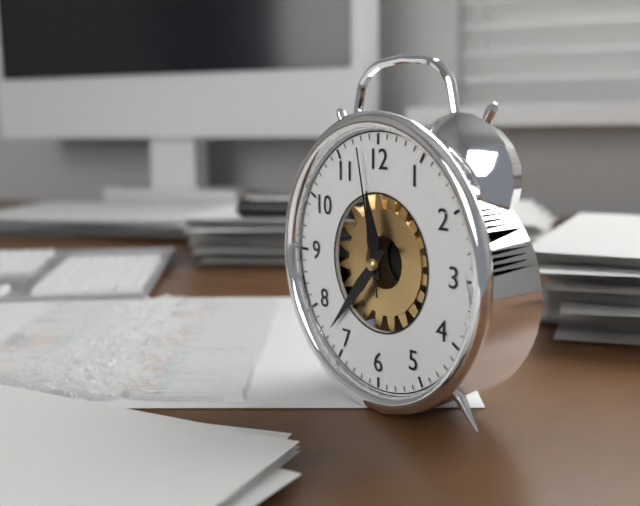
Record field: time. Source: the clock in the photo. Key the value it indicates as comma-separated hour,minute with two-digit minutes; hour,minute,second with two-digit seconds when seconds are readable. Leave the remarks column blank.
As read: 11,37,58
